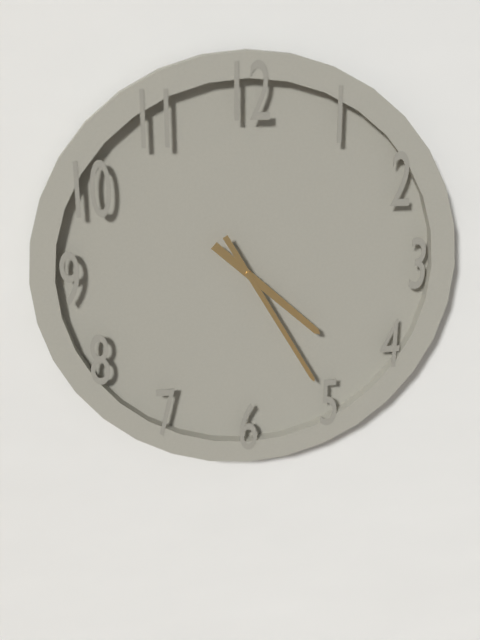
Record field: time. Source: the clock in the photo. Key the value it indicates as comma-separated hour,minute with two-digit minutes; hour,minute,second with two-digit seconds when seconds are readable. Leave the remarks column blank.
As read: 4,25
